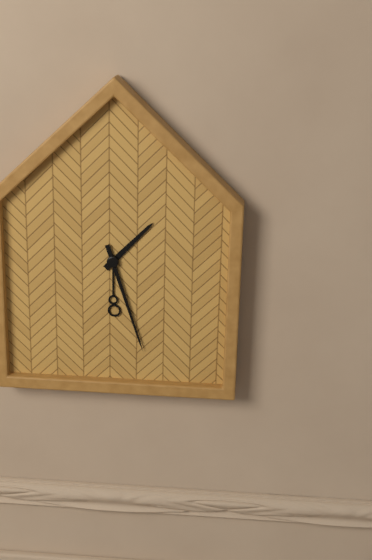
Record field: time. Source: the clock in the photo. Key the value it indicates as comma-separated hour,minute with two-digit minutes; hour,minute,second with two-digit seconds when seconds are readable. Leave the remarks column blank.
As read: 1,27
